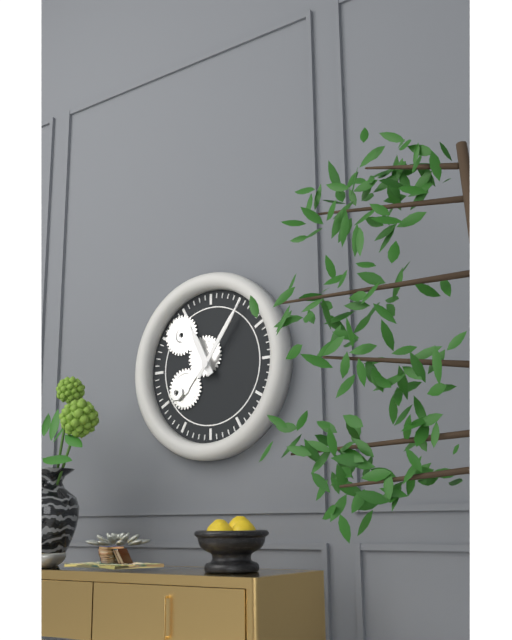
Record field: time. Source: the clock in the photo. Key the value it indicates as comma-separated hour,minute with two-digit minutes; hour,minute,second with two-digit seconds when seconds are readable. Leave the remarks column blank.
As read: 11,06
